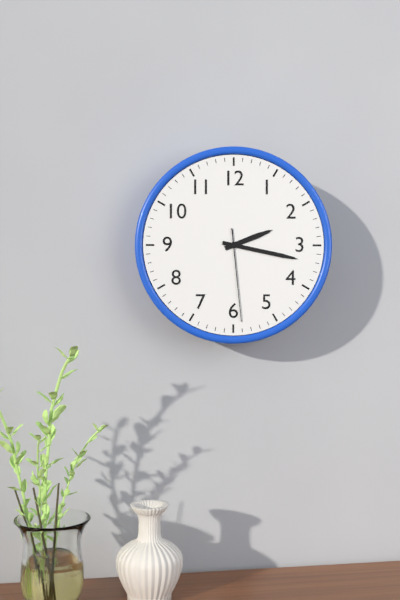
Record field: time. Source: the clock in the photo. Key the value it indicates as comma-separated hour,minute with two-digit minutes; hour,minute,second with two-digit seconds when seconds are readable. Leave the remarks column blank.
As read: 2,17,29
